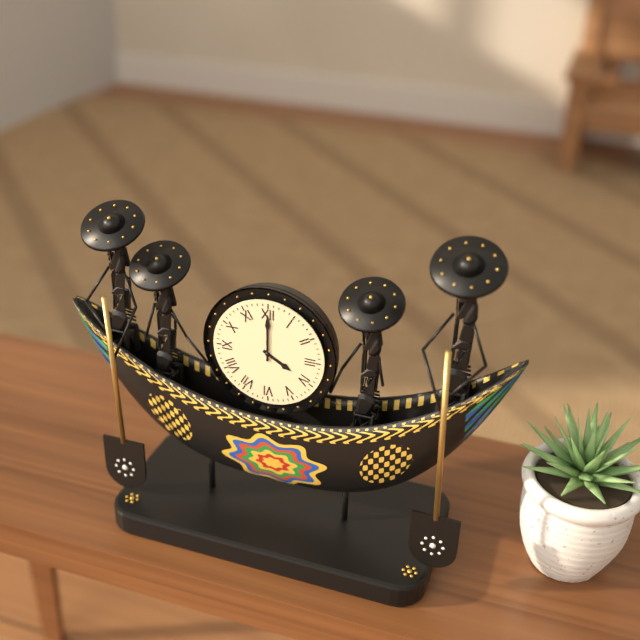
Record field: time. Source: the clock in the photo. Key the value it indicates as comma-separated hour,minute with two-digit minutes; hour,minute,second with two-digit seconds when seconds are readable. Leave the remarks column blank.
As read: 4,00
